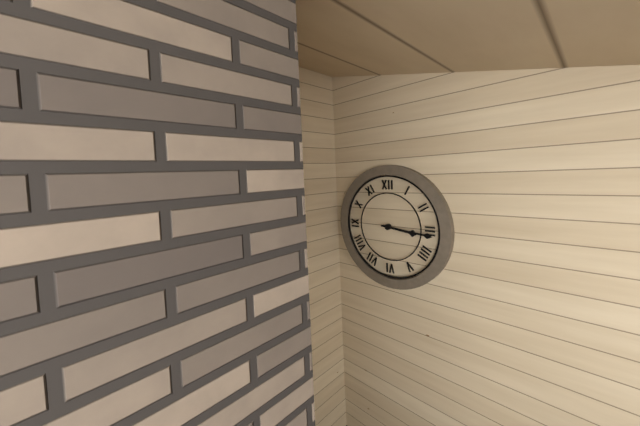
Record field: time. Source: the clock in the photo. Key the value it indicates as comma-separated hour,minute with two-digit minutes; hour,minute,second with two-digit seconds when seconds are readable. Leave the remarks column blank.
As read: 3,16
